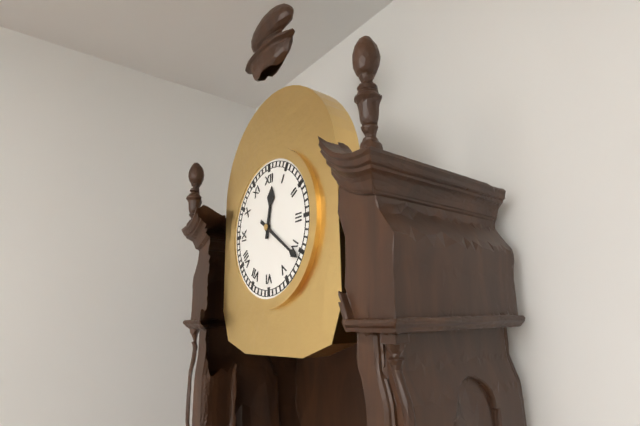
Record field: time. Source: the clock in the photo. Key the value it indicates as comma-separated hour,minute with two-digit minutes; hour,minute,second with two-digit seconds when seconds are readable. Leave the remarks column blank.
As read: 12,21
